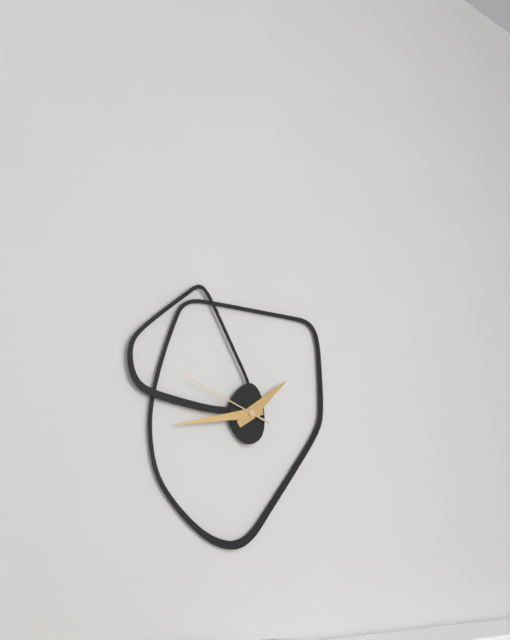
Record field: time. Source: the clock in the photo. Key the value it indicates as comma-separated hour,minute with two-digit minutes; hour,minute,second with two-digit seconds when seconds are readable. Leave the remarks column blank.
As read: 1,43,48
